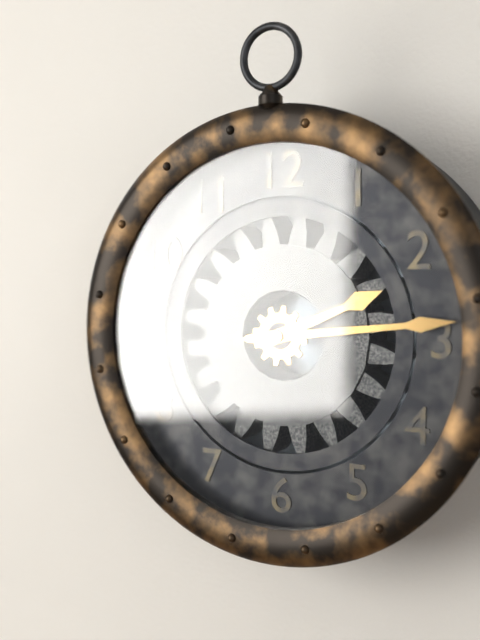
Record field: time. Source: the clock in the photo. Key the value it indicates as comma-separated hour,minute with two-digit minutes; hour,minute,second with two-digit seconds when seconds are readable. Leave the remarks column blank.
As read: 2,14
